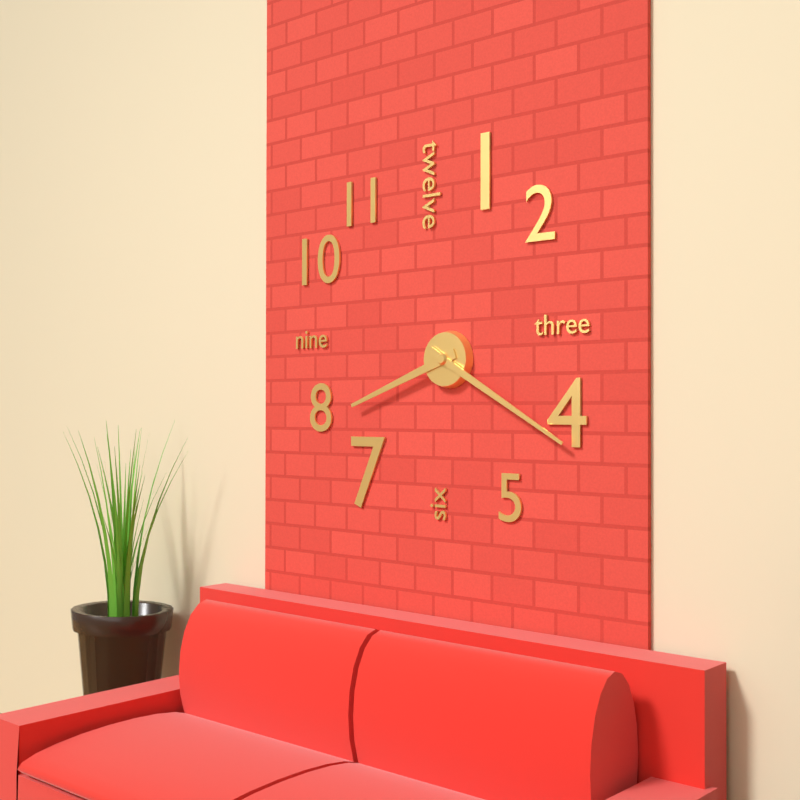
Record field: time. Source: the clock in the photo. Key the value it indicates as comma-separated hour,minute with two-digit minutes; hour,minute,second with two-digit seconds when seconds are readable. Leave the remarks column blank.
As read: 8,20
